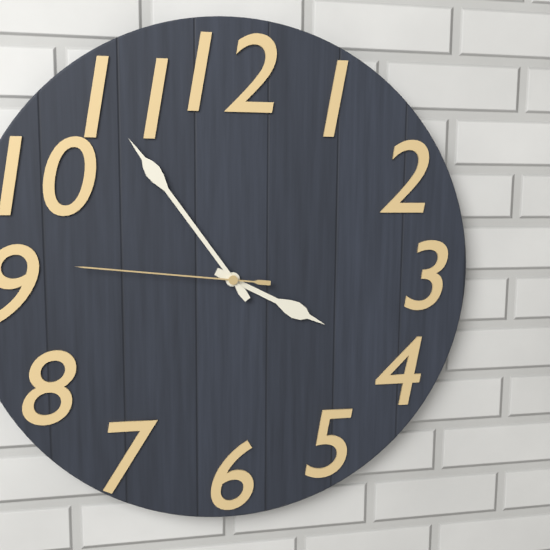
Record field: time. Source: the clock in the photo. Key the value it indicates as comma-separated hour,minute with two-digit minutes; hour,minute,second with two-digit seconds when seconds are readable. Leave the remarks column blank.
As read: 3,54,46
